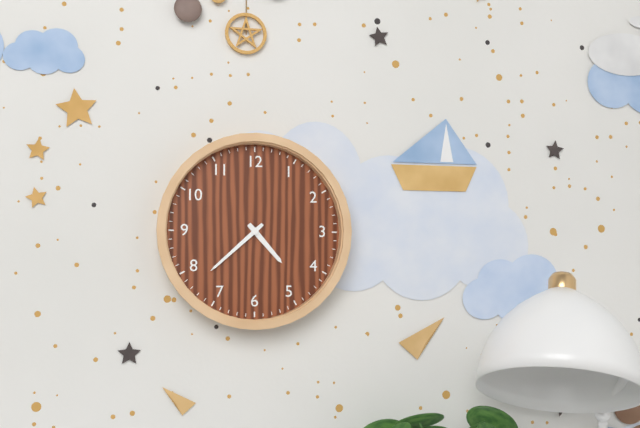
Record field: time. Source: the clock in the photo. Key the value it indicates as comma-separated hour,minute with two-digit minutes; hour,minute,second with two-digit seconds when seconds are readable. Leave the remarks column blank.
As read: 4,38
